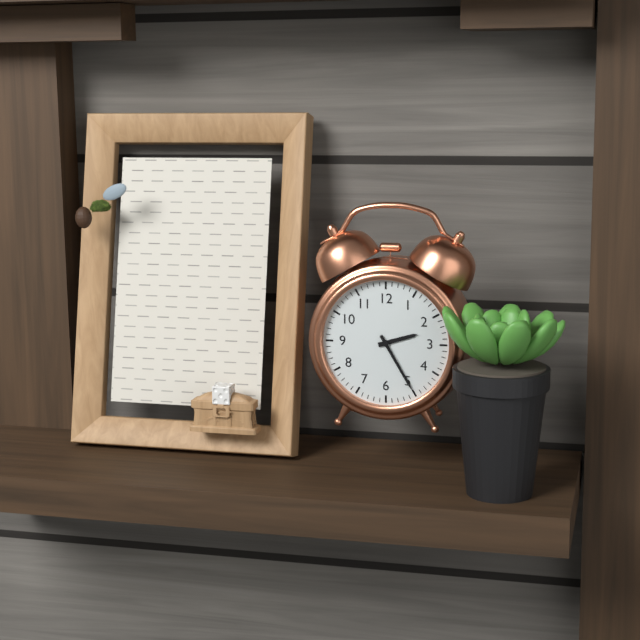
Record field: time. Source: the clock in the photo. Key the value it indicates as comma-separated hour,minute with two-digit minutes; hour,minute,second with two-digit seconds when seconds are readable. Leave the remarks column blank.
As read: 2,25
